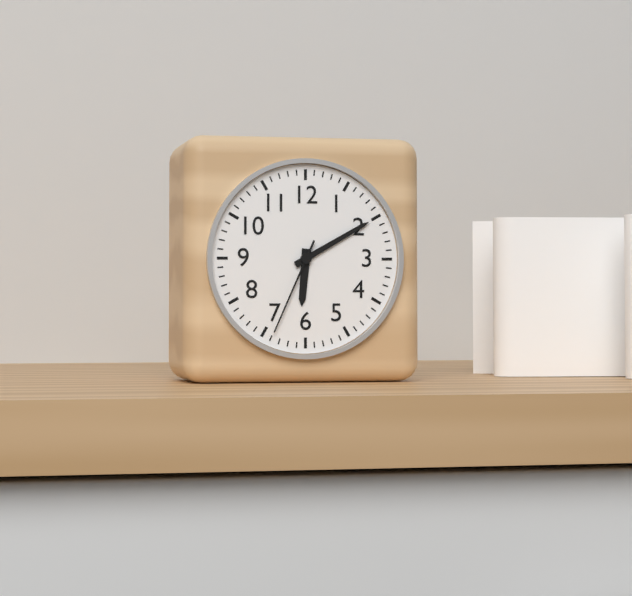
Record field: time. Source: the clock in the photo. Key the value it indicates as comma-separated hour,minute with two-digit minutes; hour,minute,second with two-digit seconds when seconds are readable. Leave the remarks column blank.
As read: 6,10,34
